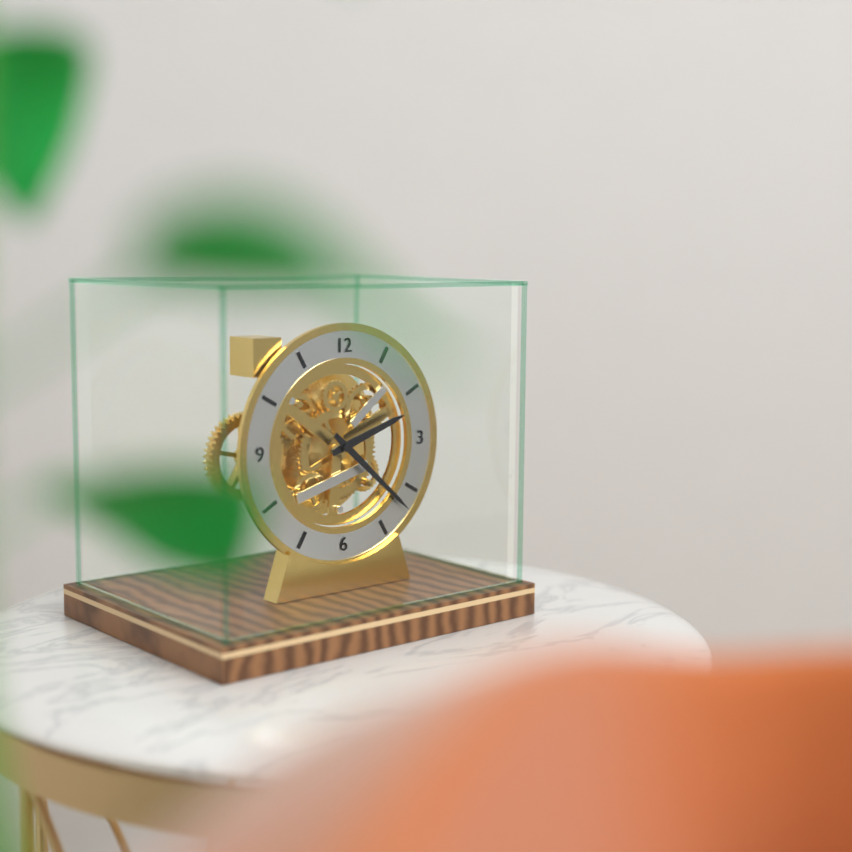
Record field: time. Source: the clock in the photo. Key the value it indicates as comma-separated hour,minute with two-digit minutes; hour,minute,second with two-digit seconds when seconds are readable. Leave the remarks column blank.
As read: 2,22
